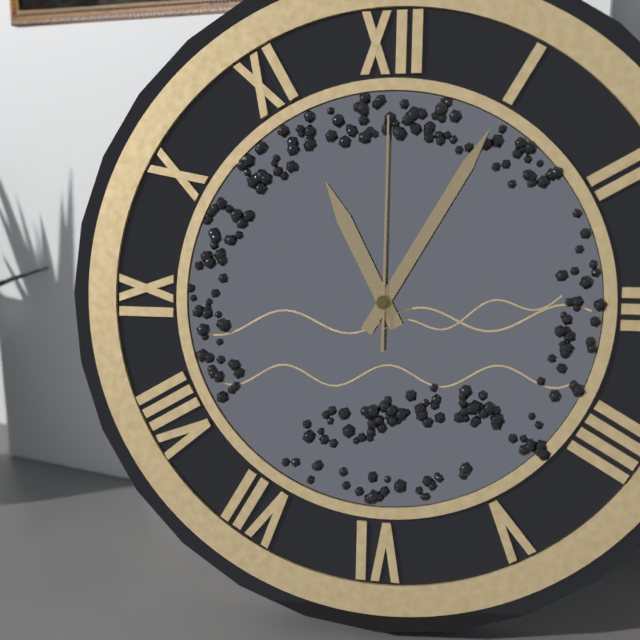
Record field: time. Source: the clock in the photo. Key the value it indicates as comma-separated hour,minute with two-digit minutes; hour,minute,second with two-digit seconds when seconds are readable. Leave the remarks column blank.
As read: 11,05,00
